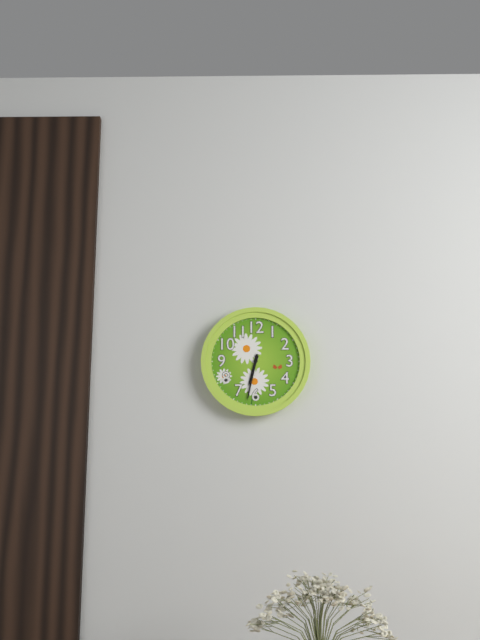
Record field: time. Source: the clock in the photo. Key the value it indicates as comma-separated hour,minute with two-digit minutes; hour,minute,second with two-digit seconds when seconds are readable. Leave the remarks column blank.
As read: 6,32
